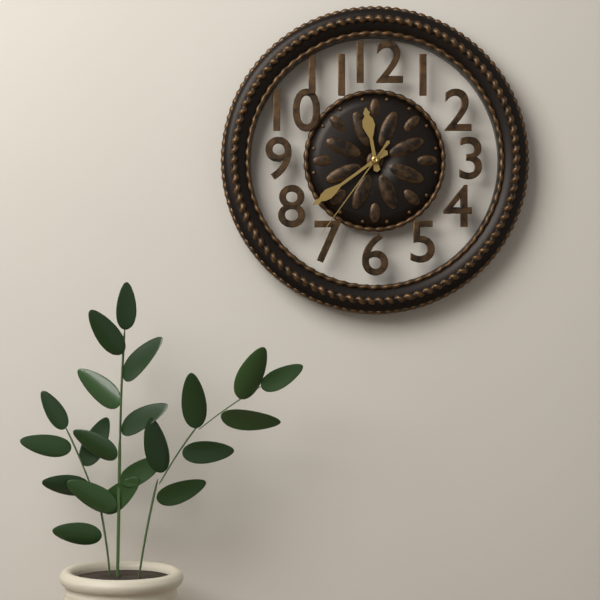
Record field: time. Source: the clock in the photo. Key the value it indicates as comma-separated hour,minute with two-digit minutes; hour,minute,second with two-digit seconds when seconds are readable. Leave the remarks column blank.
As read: 11,39,36
